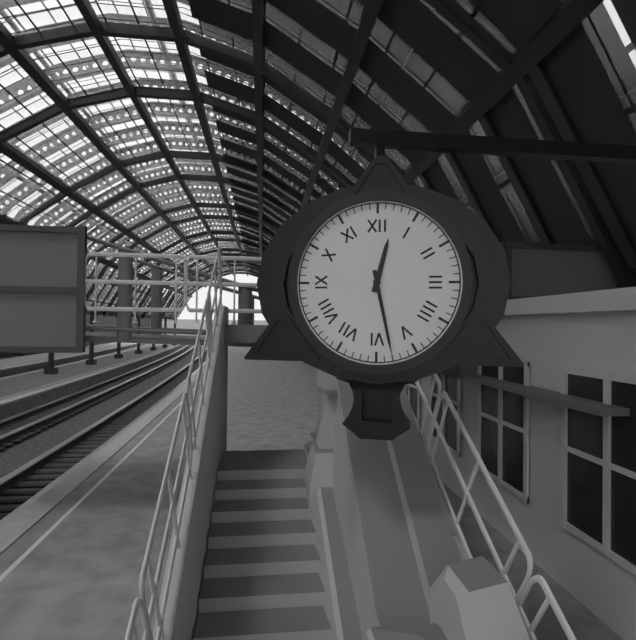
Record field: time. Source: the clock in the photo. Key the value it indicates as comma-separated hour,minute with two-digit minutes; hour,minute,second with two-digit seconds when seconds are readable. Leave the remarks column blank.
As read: 12,28
